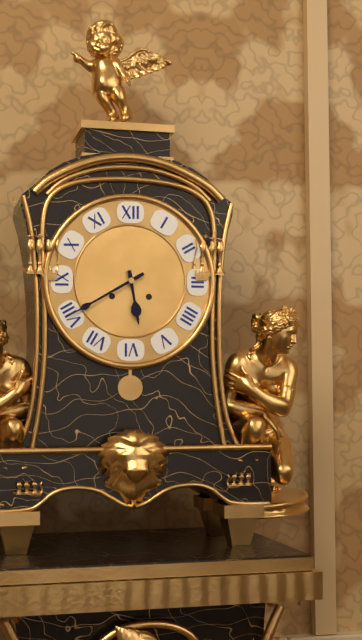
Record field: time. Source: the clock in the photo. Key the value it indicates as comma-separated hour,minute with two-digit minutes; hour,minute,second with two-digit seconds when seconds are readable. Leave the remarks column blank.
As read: 5,40
